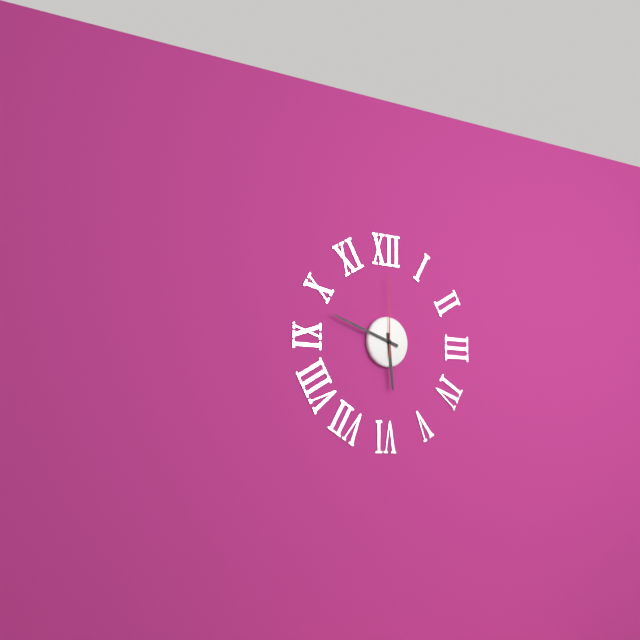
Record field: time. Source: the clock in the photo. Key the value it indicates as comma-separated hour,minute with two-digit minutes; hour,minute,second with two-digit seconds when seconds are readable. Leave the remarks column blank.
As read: 5,48,00
